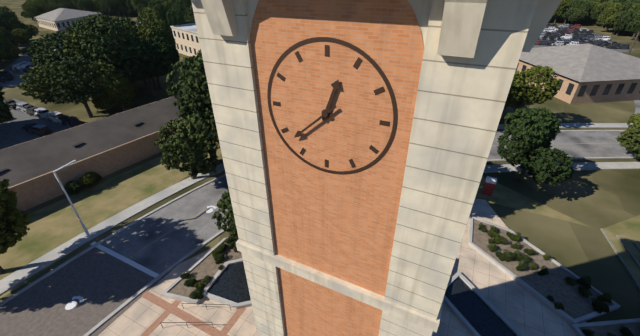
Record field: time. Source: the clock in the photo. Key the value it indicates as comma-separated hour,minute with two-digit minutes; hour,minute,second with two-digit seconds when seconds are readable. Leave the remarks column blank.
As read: 12,38
